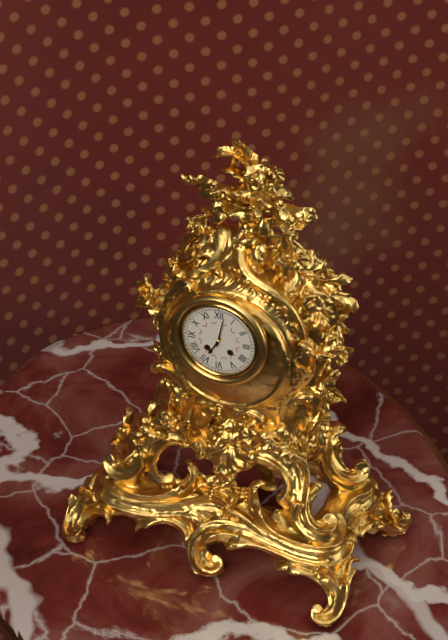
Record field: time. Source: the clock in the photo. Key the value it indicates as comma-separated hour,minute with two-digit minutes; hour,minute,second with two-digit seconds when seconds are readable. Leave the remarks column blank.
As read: 7,02
